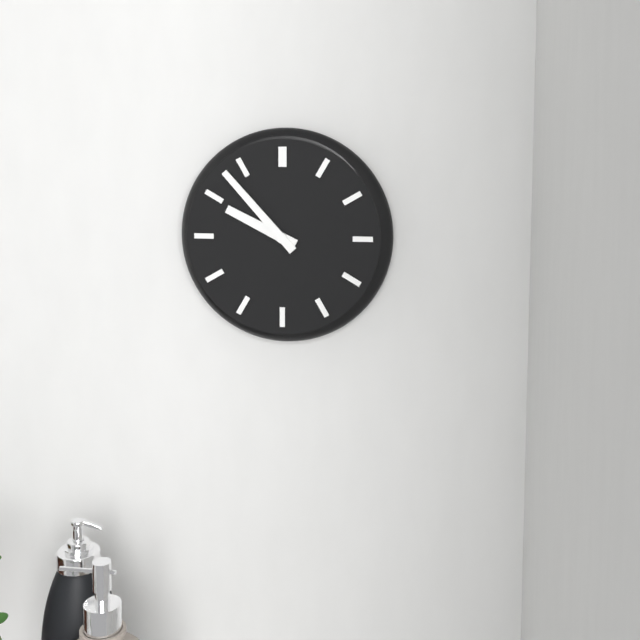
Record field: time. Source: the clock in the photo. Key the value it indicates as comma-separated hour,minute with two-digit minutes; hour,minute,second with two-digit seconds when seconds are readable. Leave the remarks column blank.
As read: 9,53
